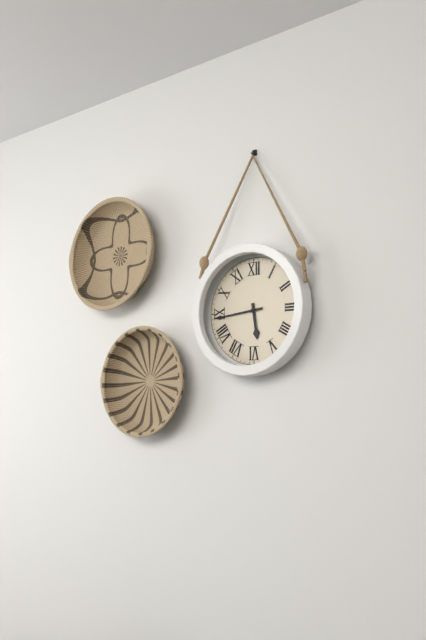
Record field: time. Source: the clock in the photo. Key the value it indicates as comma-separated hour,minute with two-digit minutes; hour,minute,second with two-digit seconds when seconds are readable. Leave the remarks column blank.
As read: 5,44
